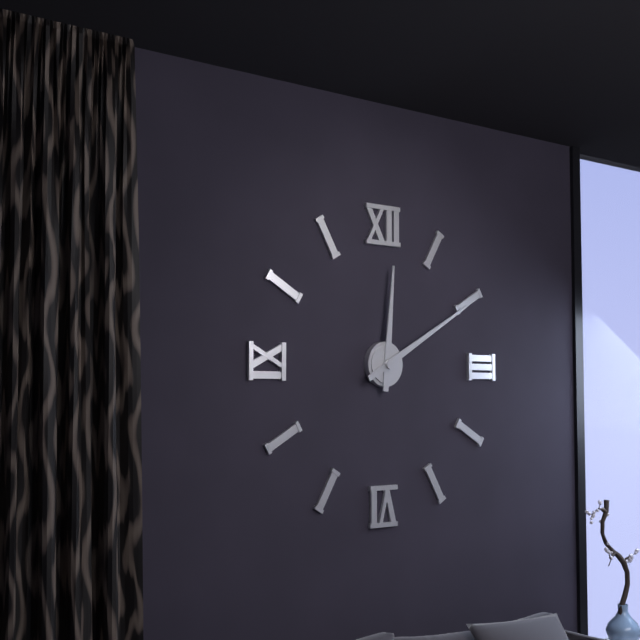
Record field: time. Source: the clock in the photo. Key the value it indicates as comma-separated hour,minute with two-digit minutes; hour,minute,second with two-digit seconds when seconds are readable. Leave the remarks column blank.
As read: 12,10
